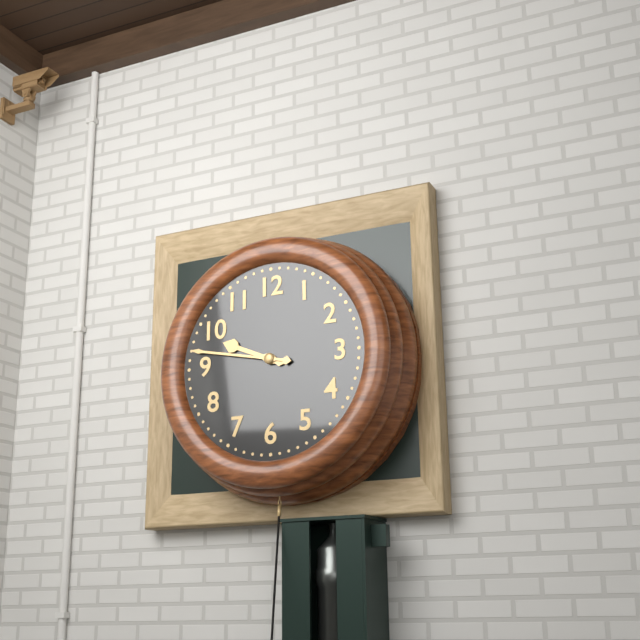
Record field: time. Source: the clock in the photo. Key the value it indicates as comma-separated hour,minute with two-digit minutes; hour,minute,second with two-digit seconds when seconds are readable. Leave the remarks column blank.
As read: 9,47
